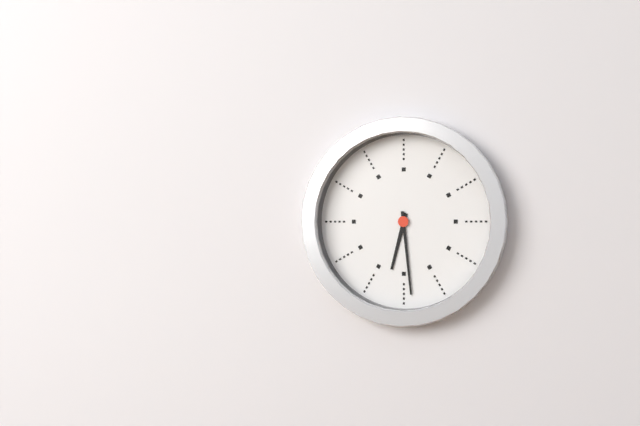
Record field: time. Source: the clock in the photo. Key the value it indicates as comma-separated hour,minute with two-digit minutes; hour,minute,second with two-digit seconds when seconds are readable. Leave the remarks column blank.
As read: 6,29
